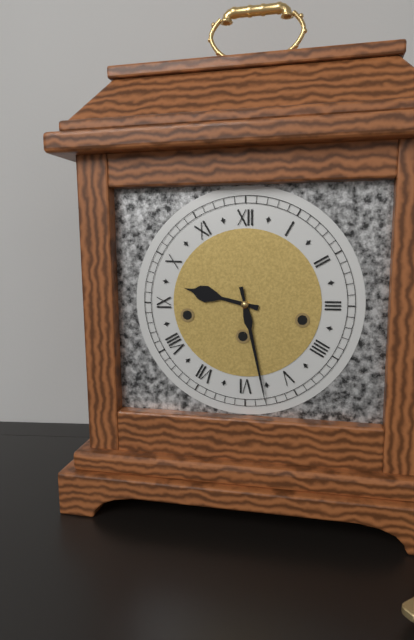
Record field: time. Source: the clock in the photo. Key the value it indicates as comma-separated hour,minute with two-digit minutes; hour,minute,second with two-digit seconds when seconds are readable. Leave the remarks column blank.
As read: 9,28
